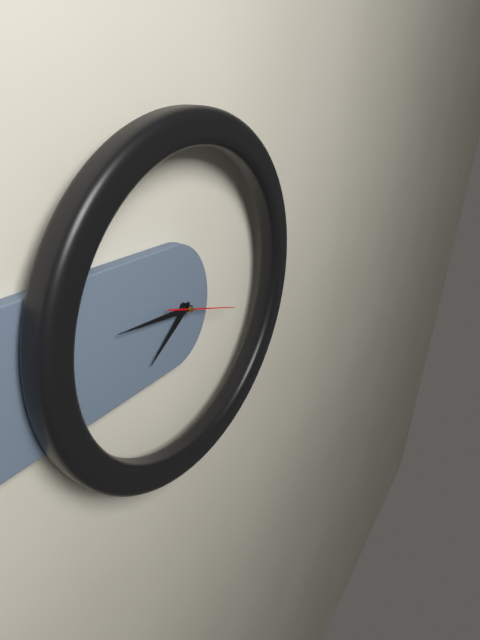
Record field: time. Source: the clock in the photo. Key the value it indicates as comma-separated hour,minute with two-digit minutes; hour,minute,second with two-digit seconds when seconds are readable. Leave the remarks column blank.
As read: 7,46,18
